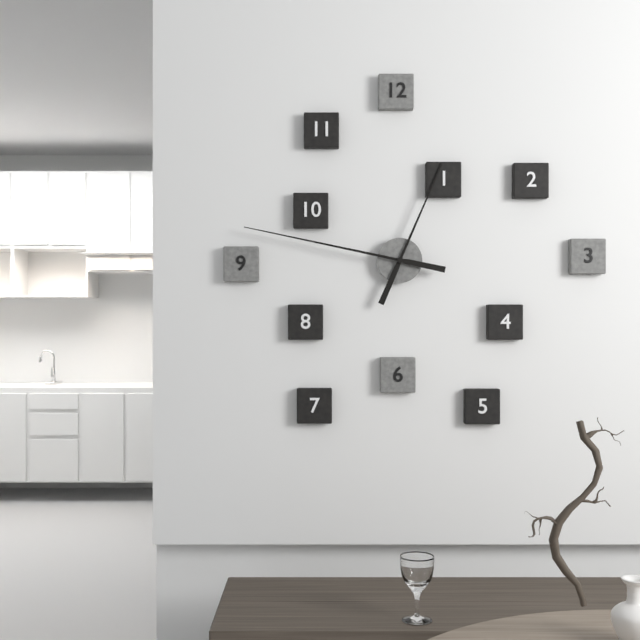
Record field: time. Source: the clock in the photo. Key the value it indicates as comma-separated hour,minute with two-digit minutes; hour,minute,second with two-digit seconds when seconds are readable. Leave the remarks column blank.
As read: 12,47
